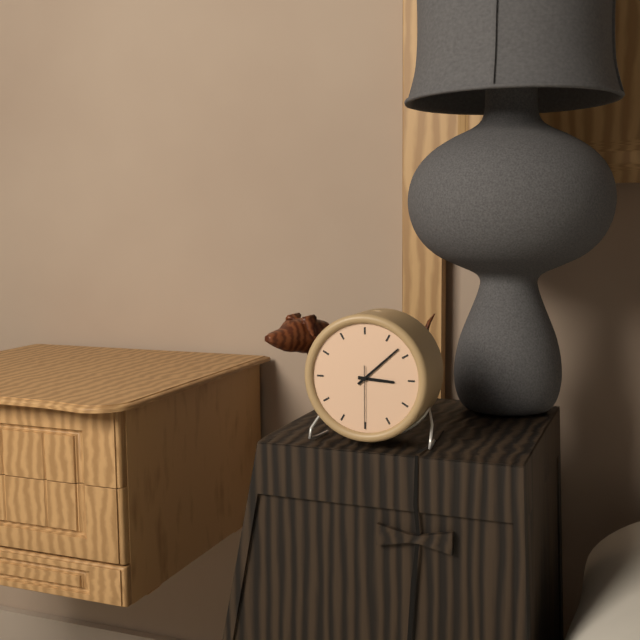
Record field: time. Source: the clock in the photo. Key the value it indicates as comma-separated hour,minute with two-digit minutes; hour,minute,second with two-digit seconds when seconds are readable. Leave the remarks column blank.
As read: 3,08,30
